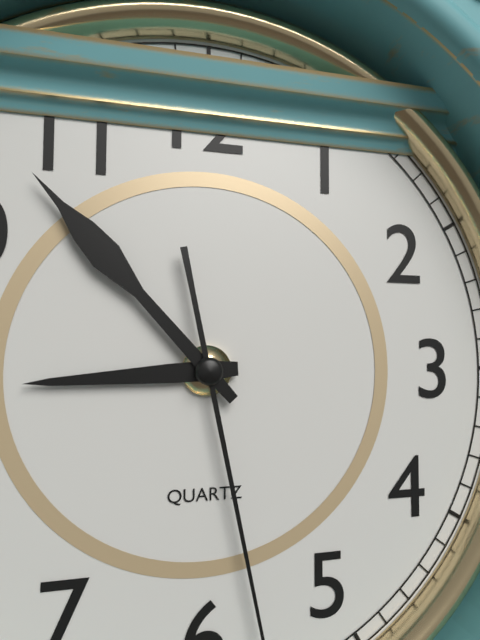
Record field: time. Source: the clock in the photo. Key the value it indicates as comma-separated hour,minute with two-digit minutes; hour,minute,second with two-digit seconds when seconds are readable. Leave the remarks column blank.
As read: 8,53
